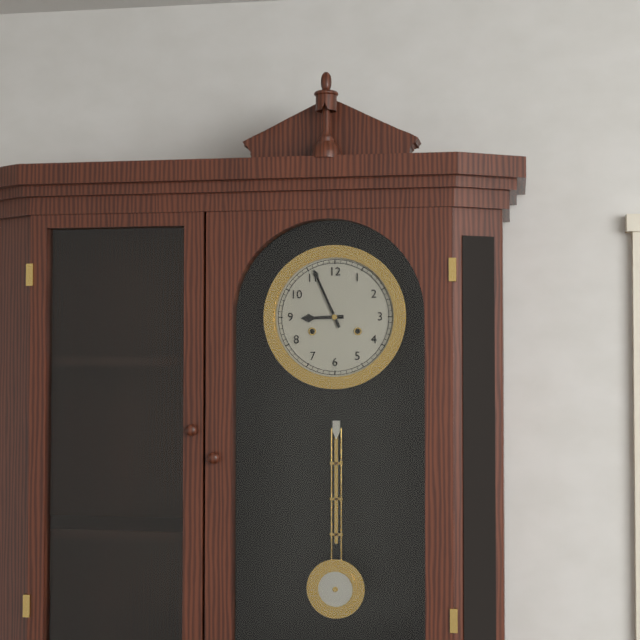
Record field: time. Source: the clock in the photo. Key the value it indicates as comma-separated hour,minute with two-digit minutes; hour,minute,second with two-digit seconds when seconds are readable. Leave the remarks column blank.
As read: 8,56
